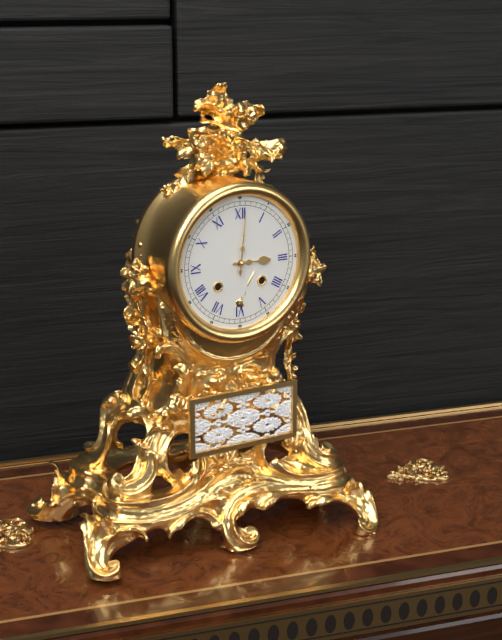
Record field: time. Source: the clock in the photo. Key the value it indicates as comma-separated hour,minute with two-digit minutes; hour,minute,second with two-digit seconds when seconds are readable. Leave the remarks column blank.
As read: 3,01
